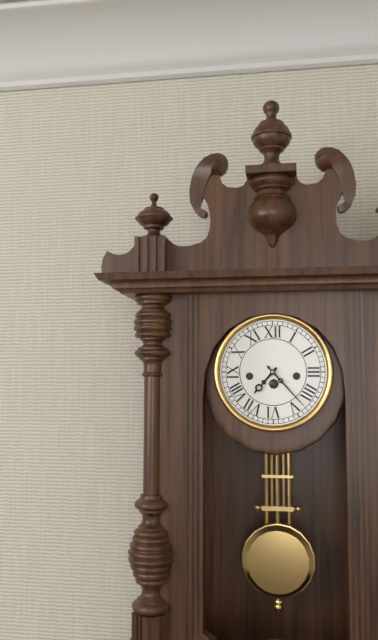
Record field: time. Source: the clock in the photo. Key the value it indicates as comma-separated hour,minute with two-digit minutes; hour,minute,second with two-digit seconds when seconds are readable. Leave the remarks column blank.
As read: 7,23
